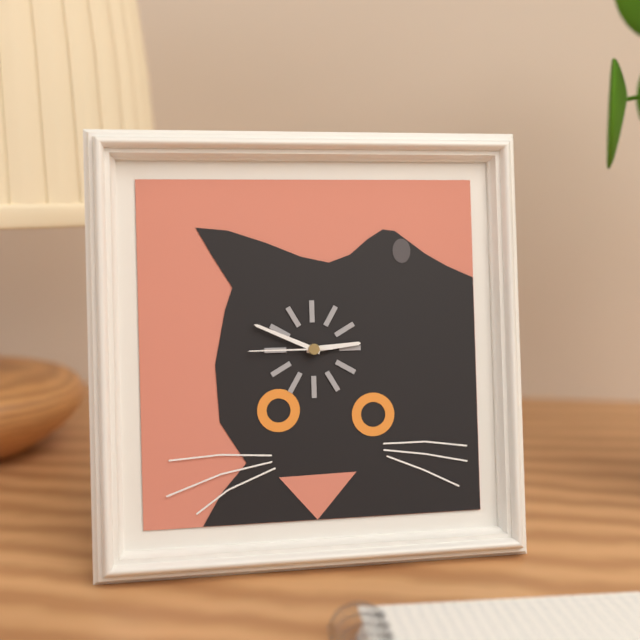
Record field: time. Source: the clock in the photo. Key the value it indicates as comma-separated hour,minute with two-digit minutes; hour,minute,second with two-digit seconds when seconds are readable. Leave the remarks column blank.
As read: 2,49,45
